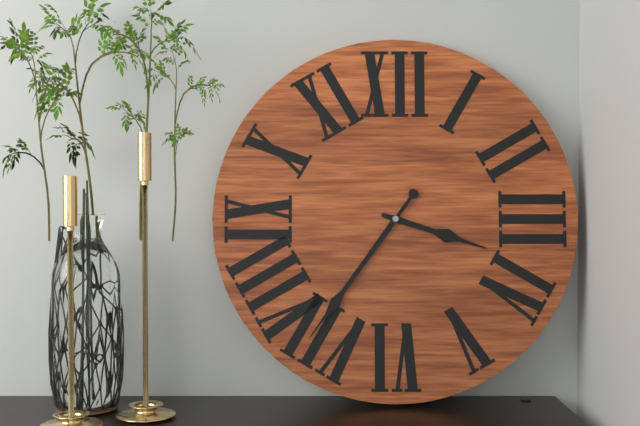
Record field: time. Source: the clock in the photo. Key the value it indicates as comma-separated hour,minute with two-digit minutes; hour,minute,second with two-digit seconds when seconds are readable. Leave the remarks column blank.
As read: 3,36
